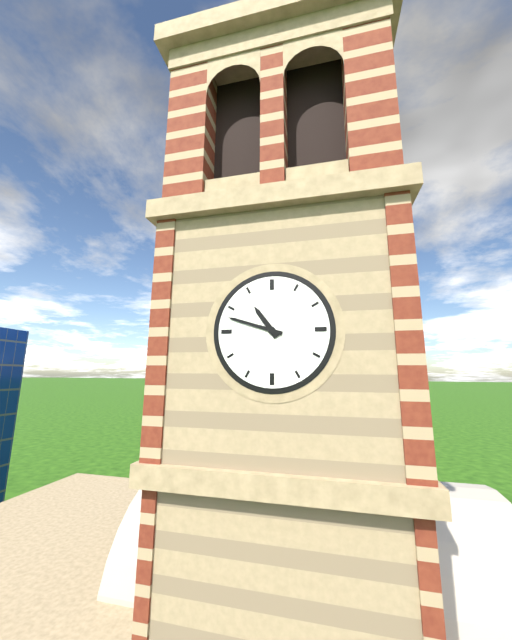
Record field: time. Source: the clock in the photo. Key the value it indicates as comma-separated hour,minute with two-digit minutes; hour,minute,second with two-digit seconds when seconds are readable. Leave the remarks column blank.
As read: 10,48
